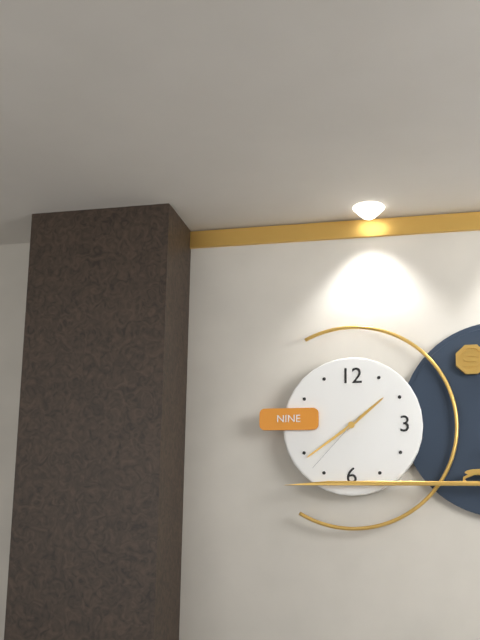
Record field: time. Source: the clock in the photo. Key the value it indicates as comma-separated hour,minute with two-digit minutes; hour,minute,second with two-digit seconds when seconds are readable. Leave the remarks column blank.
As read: 1,39,37
